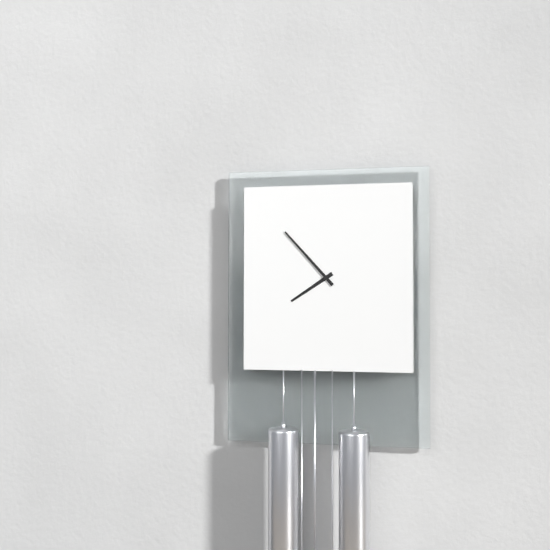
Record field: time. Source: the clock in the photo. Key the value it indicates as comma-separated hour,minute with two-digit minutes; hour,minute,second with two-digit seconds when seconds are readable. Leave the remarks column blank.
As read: 7,53
